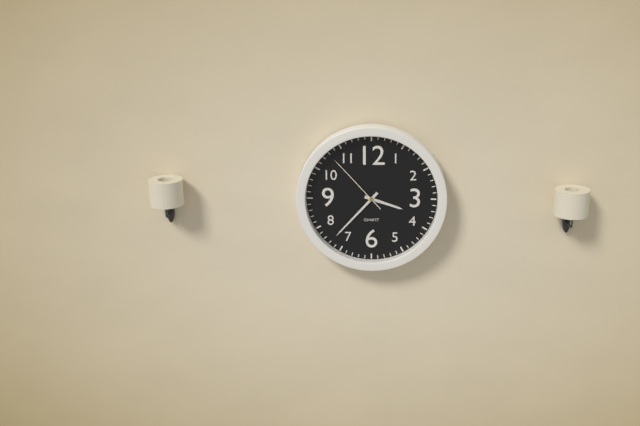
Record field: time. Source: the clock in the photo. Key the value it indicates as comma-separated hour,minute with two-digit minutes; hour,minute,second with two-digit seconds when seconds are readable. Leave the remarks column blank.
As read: 3,37,53
